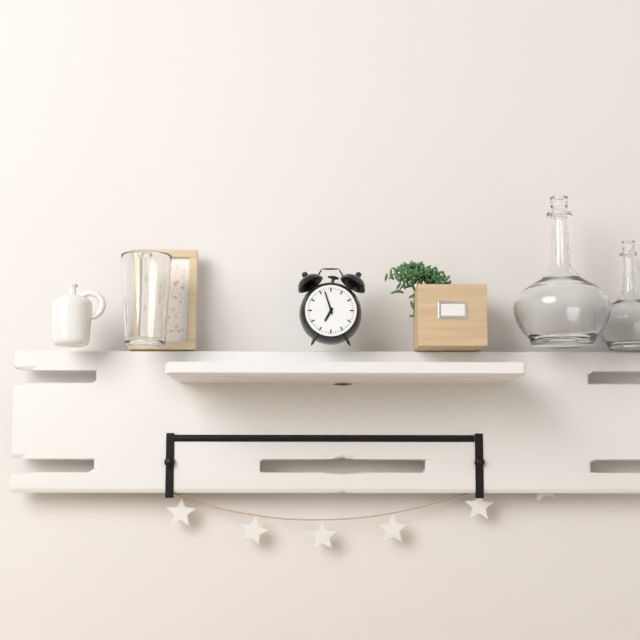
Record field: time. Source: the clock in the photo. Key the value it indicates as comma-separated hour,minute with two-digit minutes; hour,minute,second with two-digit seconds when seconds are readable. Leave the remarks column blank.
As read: 6,57
